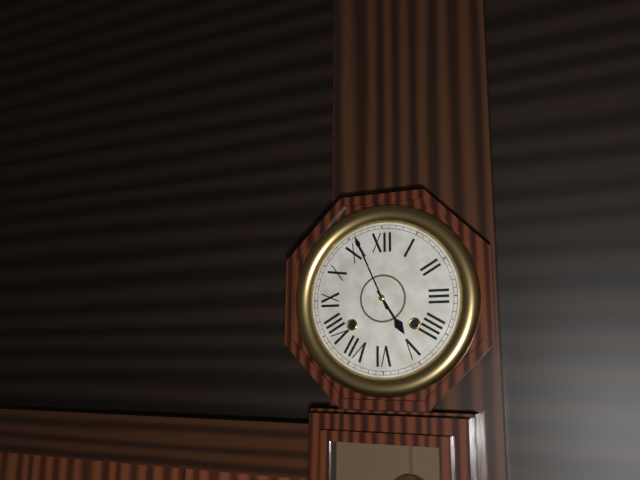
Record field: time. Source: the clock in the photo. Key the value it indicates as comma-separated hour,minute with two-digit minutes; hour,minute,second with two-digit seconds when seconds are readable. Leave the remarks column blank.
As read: 4,56
